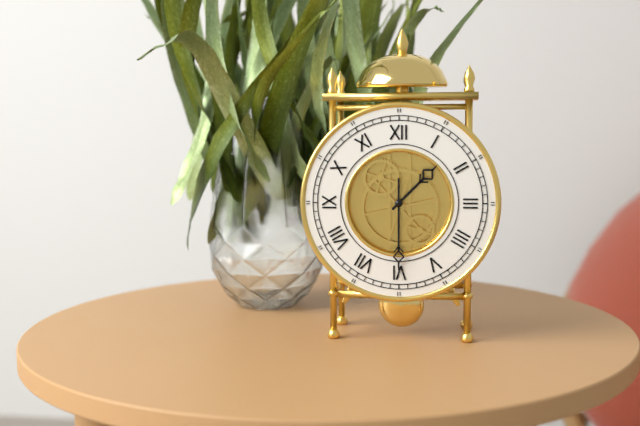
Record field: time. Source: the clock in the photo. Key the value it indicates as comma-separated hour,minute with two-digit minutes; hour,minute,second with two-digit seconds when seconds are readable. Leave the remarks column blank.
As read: 1,30
